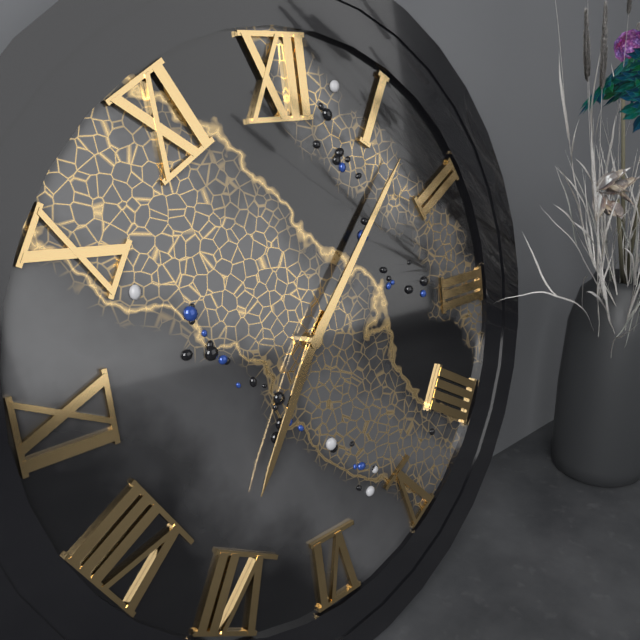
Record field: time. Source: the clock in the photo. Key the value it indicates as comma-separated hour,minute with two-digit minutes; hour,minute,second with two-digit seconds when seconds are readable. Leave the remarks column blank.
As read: 7,07
